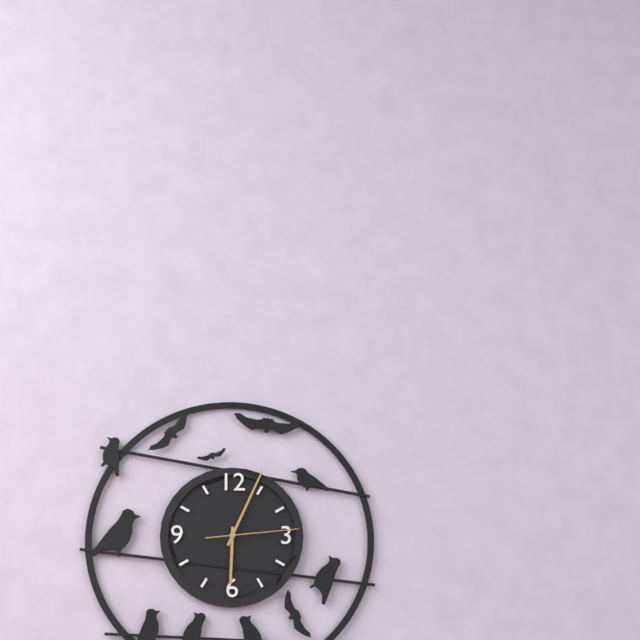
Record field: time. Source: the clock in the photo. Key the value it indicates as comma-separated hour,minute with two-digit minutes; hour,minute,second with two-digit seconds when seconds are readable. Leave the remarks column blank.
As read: 6,04,14
